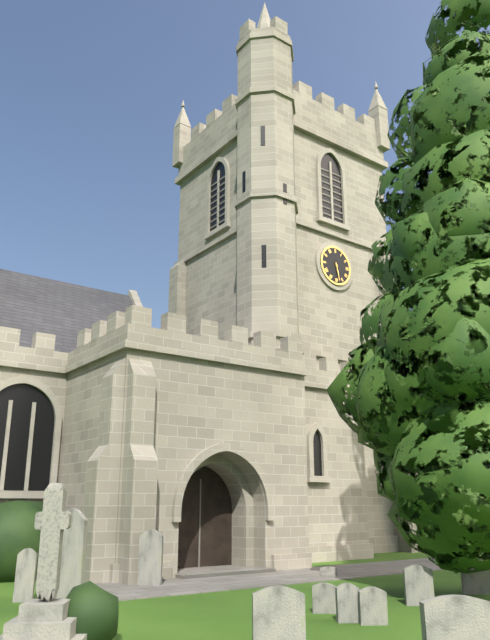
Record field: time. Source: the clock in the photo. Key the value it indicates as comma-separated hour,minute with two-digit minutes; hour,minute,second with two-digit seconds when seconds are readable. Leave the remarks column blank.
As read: 5,28
